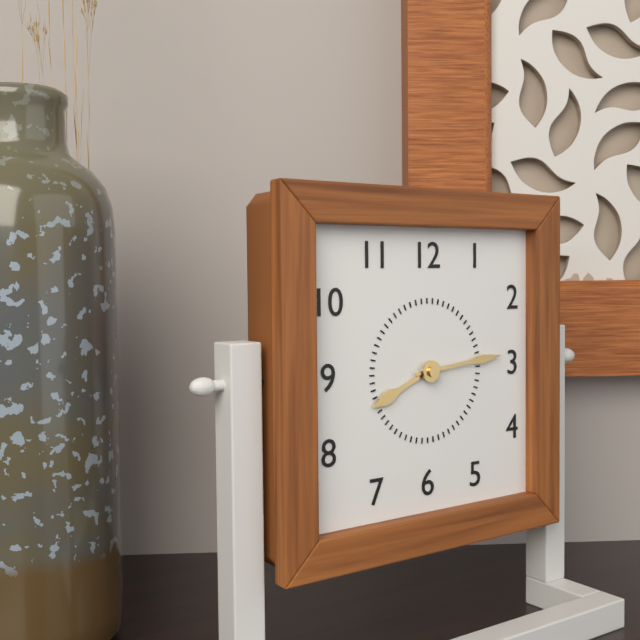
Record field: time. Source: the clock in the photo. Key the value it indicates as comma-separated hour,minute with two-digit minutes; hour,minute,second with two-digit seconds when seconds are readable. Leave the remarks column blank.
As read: 8,14
